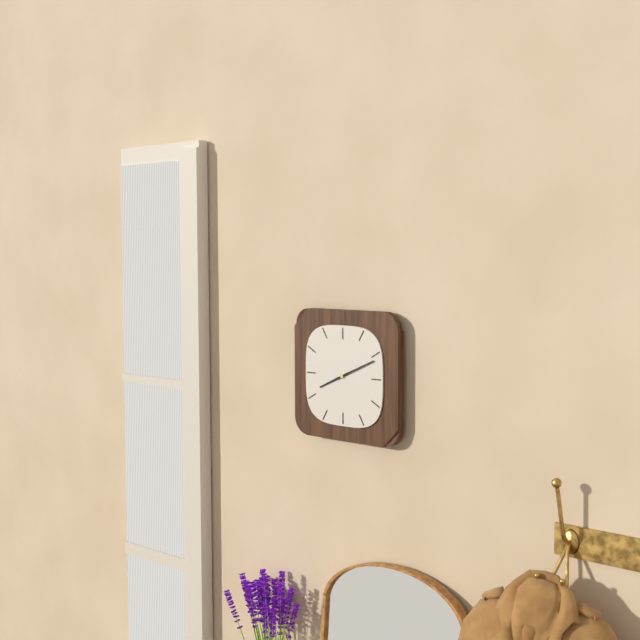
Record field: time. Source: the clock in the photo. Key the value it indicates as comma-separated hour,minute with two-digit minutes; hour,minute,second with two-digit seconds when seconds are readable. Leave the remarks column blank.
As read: 8,11
